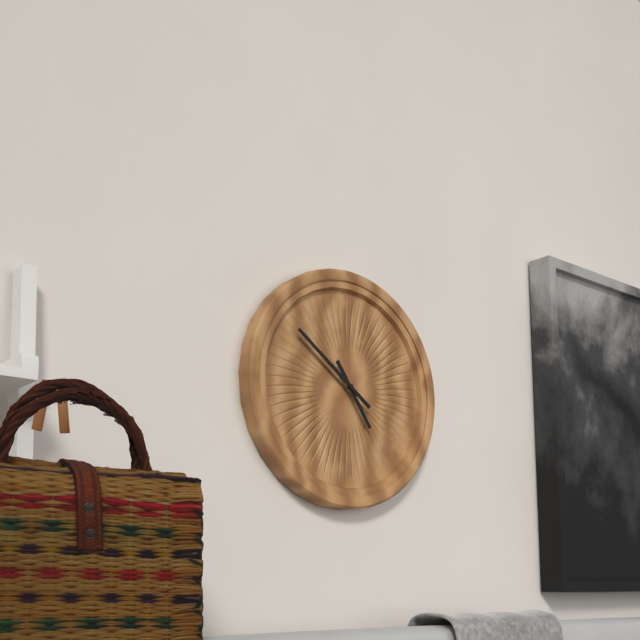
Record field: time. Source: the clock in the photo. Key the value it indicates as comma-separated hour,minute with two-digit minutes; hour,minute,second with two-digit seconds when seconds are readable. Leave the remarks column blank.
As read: 4,51
